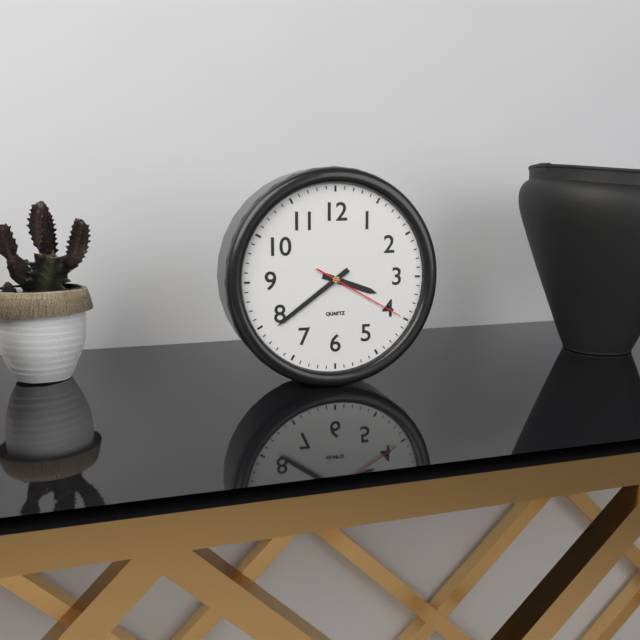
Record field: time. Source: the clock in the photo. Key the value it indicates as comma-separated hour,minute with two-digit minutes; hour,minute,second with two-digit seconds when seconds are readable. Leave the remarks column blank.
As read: 3,39,20
